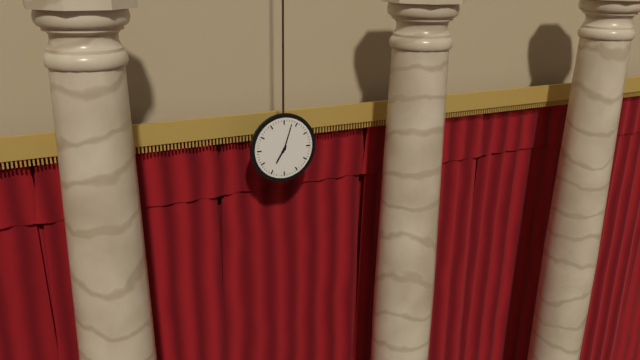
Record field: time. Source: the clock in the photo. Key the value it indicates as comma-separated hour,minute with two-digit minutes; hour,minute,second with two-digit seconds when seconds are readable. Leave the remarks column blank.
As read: 7,03
